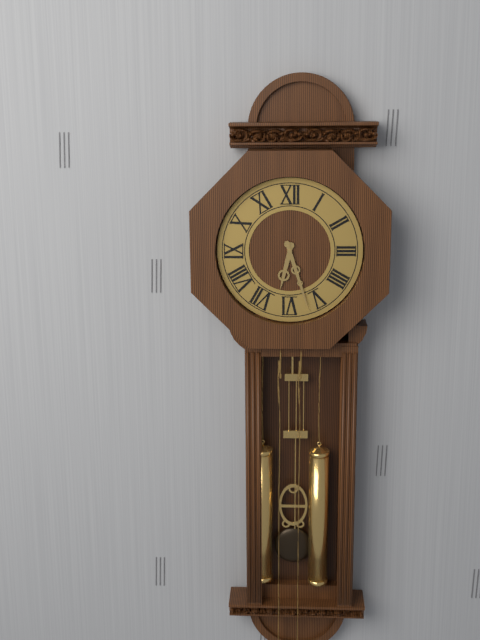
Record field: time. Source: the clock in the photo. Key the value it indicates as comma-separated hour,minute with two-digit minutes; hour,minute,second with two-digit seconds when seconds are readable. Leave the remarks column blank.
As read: 6,27
